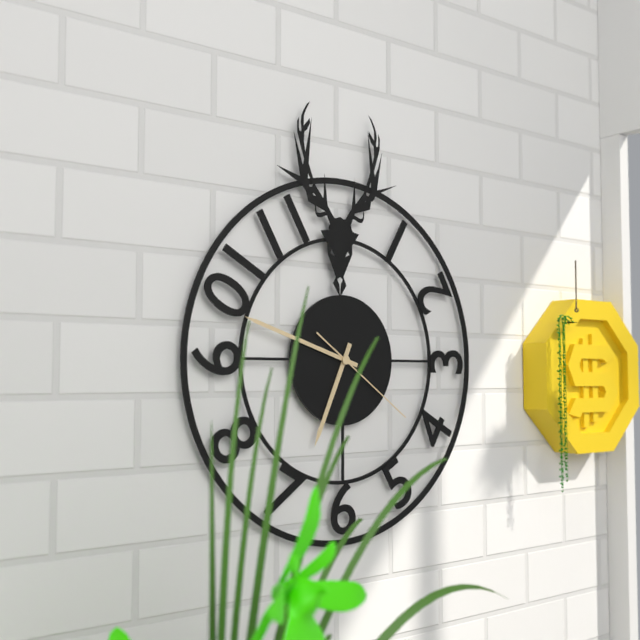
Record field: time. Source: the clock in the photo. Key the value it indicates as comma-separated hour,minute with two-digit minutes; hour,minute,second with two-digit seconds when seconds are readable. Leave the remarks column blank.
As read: 6,48,21
